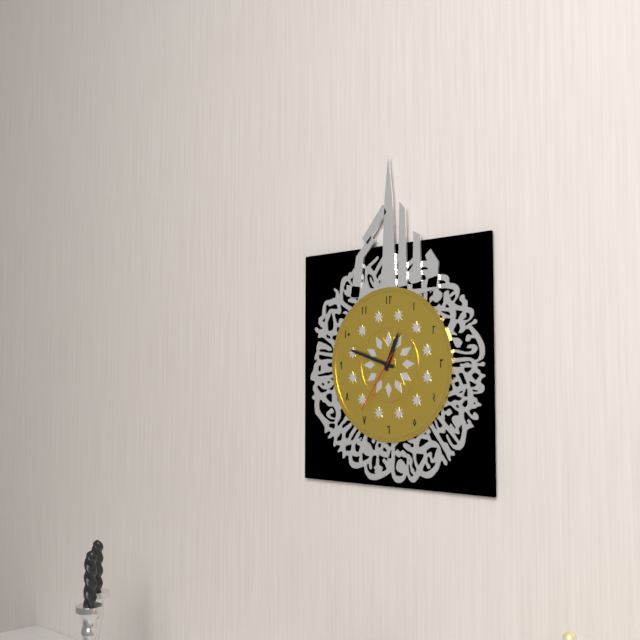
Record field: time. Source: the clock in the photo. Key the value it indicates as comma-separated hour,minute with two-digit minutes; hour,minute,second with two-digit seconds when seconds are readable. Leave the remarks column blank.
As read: 12,48,36
